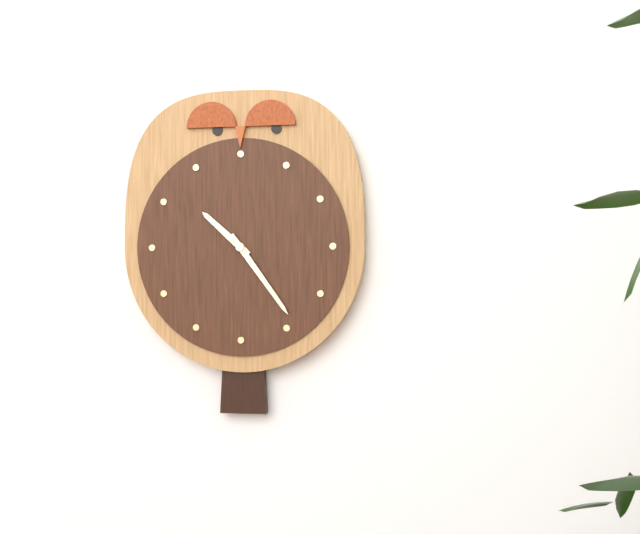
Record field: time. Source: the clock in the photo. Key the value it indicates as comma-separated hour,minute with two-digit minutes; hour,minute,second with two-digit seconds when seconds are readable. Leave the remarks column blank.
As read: 10,24
